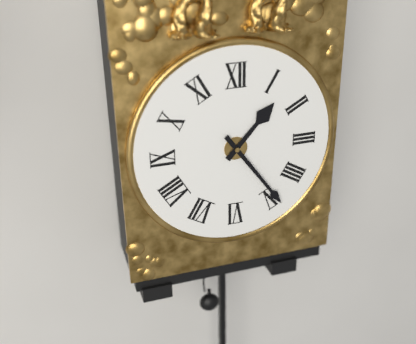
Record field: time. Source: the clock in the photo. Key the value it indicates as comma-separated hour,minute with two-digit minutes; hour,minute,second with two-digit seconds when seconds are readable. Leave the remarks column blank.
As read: 1,24
